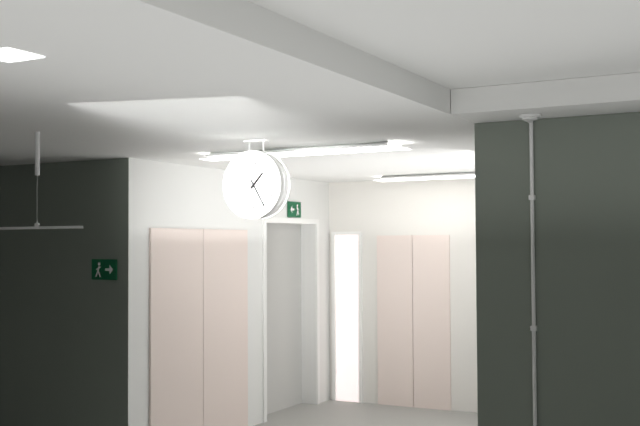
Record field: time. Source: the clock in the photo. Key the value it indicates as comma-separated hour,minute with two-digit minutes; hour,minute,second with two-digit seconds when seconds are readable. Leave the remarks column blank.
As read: 1,25
